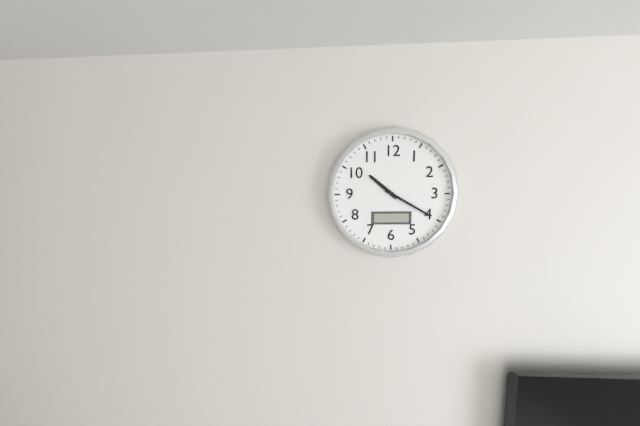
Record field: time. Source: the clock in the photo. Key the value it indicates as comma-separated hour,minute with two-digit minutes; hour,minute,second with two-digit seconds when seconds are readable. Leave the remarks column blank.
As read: 10,20
